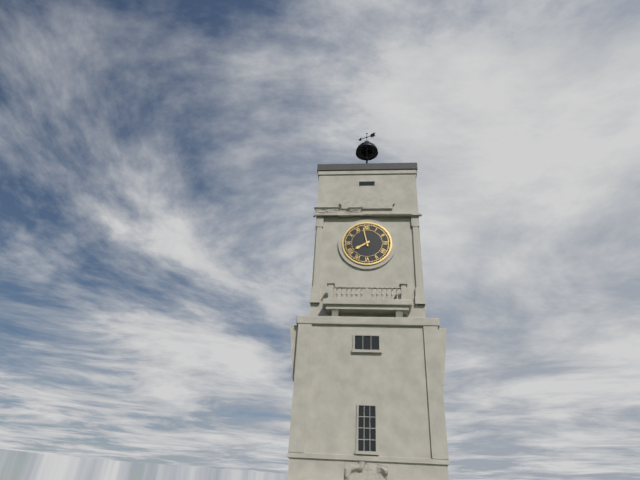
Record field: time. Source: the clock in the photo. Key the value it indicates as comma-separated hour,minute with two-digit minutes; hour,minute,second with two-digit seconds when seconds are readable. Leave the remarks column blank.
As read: 7,58
